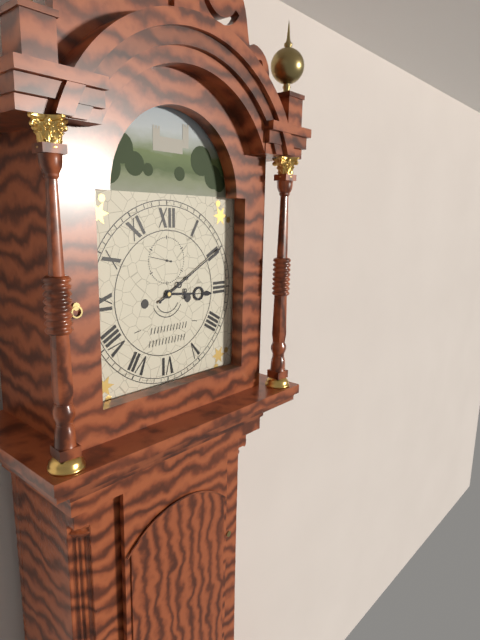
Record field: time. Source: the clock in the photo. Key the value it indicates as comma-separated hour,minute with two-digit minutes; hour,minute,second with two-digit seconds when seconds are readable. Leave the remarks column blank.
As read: 3,10
